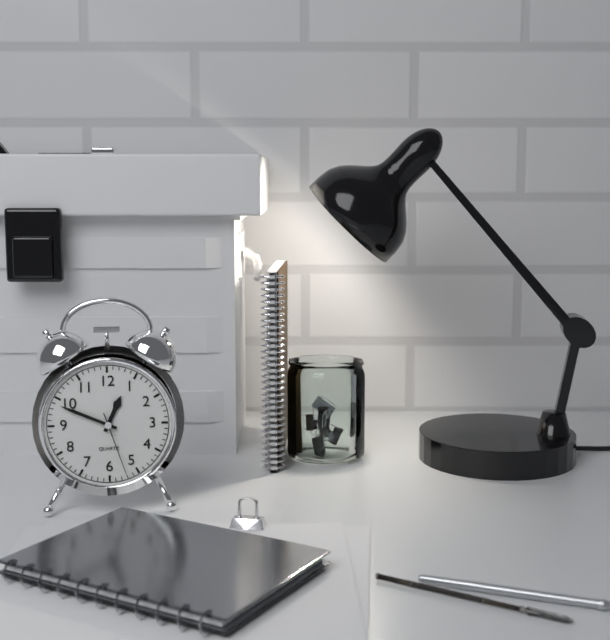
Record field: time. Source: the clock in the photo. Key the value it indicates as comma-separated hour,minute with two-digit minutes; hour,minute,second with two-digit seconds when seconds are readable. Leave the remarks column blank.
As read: 12,49,27
